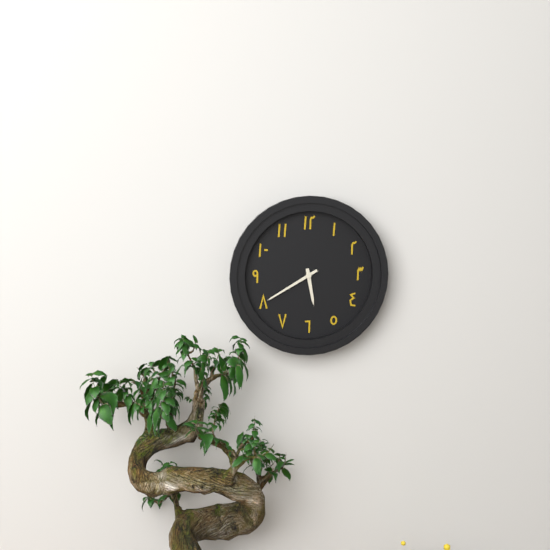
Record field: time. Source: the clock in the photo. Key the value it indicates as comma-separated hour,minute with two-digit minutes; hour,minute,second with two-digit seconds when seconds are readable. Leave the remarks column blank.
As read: 5,40
